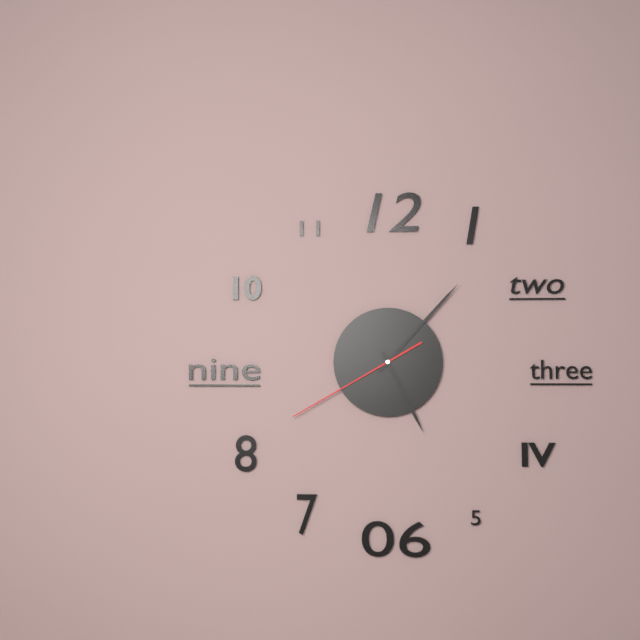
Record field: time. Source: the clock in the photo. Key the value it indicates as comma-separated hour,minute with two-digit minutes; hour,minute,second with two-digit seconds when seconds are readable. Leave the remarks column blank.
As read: 5,07,40
